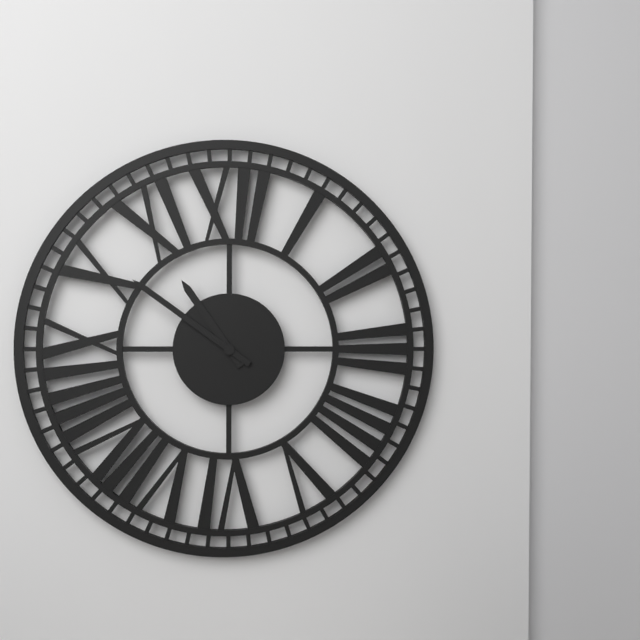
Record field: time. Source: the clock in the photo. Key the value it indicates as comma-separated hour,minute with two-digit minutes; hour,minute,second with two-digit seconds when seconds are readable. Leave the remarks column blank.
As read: 10,51
